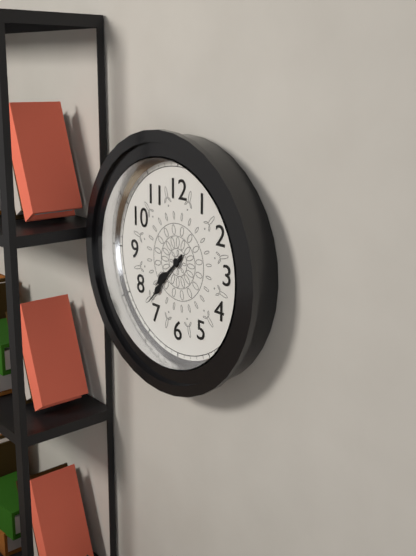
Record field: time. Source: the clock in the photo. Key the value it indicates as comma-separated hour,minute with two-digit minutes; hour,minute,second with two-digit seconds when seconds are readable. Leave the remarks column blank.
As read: 7,37
